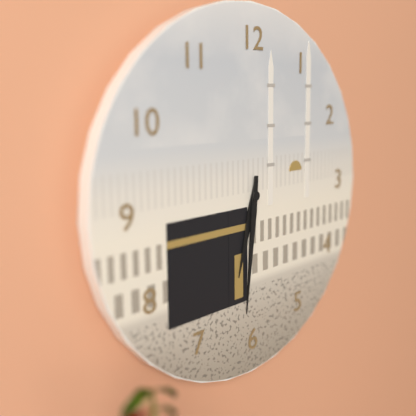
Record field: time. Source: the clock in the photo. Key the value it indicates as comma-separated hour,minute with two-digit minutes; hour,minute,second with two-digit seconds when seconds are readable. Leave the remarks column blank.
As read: 6,31
